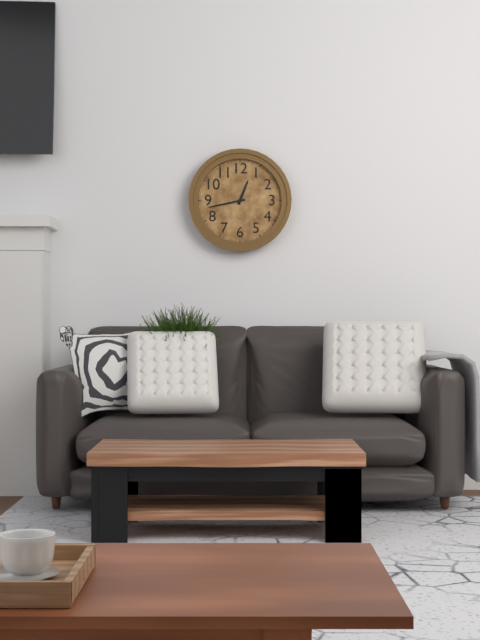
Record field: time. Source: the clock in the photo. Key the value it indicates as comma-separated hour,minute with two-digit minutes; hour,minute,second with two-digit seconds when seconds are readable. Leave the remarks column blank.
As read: 12,43
